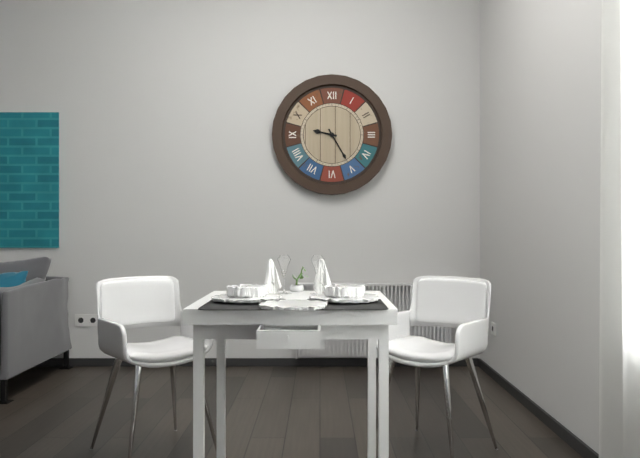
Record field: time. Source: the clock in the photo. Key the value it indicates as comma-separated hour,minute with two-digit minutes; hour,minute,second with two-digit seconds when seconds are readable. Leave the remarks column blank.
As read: 9,25
